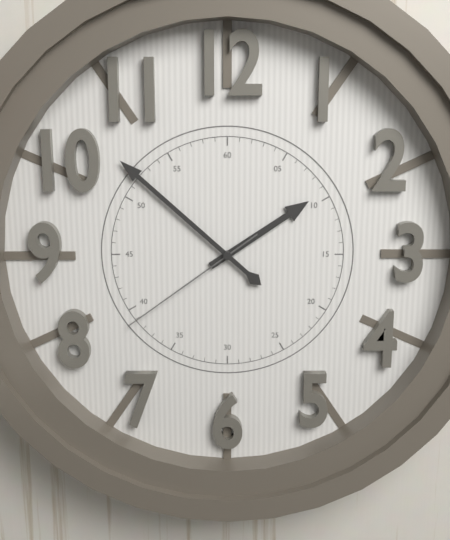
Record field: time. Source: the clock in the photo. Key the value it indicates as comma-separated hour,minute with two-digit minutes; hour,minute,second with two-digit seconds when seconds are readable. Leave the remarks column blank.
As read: 1,52,39
